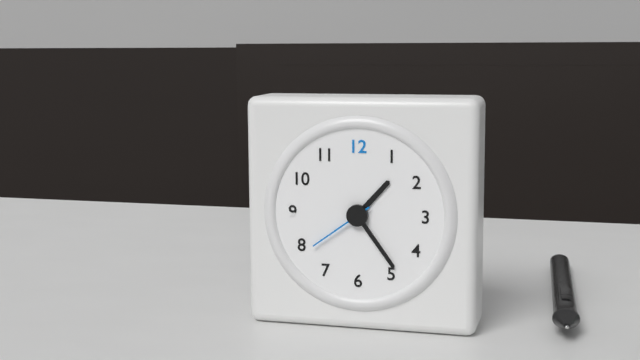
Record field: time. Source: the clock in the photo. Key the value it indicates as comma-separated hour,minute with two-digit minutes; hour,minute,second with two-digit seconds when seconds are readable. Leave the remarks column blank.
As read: 1,24,39
